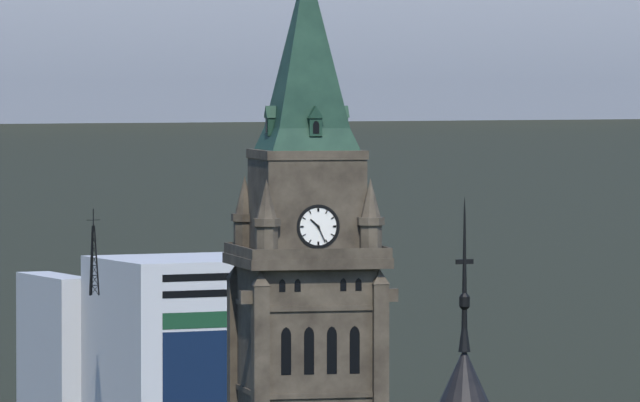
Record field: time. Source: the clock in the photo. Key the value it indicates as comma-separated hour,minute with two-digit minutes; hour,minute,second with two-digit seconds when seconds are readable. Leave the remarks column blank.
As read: 10,26
